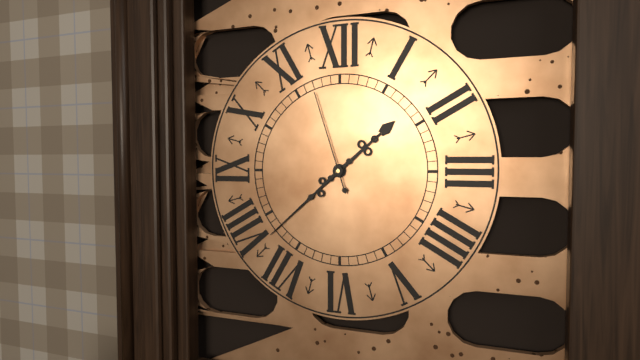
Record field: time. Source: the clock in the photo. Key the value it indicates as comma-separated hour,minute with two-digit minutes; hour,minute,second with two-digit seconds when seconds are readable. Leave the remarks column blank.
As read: 1,38,57
